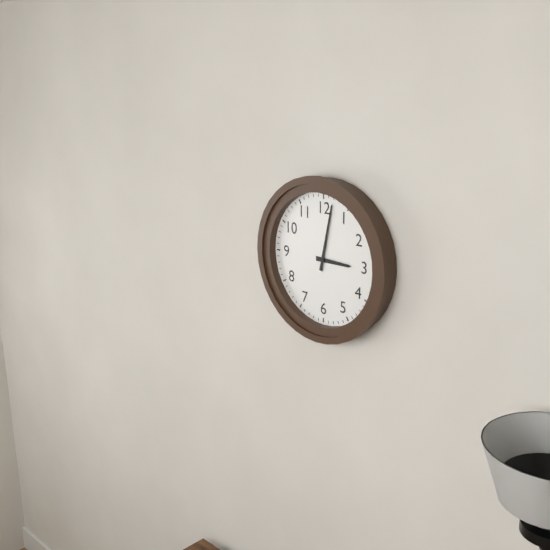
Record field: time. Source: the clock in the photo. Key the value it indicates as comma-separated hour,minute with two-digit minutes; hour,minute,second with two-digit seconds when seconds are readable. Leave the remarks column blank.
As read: 3,02
